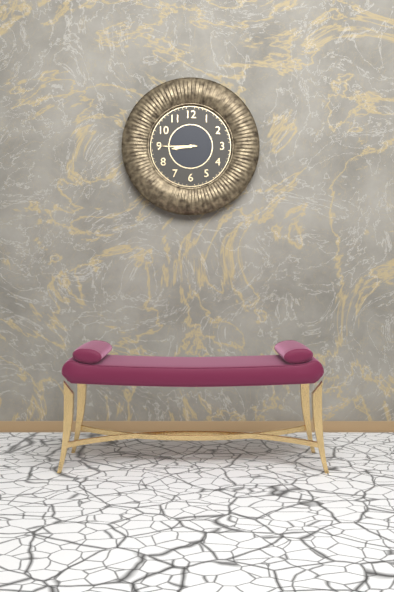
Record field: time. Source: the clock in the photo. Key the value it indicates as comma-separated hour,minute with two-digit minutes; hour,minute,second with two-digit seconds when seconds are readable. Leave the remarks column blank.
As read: 8,45
